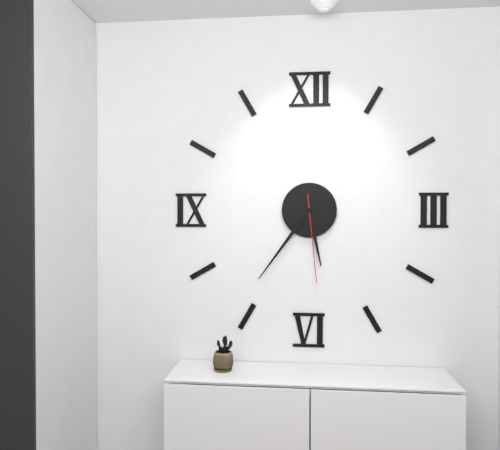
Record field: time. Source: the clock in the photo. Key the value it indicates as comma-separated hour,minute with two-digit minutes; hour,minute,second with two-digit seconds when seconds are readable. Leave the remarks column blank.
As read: 5,36,29
